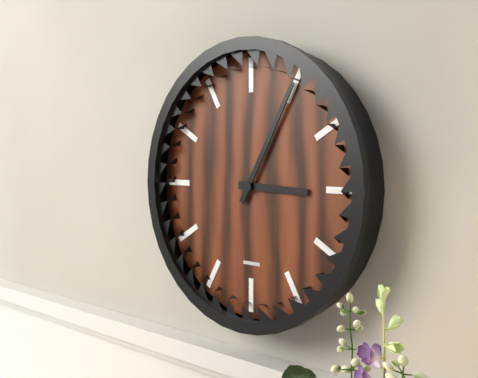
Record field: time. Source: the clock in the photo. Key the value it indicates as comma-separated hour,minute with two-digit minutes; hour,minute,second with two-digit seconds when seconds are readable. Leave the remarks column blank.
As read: 3,05
